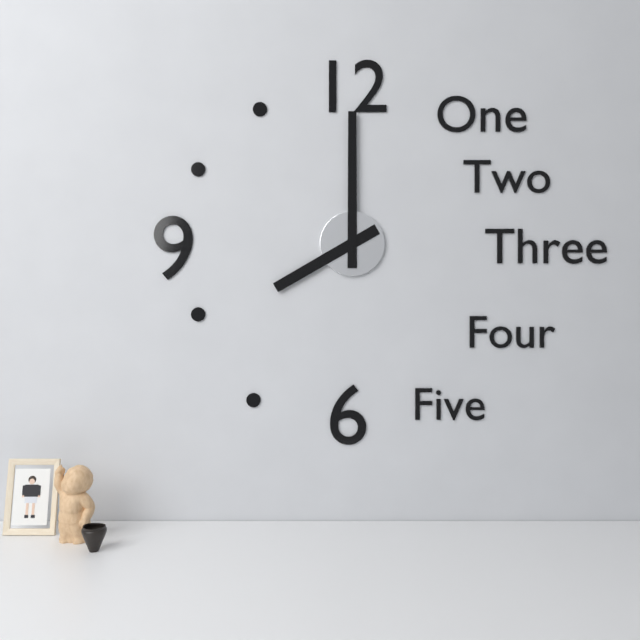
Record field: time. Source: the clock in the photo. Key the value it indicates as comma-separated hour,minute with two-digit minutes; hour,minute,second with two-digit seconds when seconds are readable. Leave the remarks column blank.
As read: 8,00
